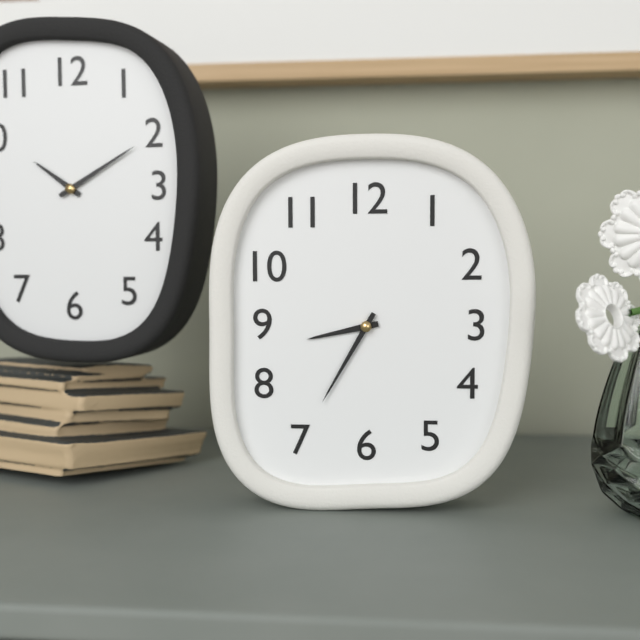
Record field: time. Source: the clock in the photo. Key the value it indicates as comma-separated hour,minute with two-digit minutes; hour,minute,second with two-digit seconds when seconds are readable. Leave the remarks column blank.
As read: 8,35
